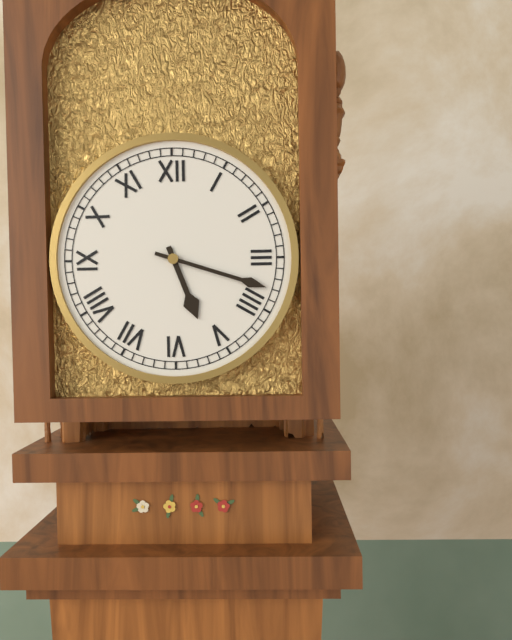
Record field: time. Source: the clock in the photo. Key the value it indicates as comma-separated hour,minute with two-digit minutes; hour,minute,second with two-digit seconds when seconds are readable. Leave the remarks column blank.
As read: 5,18
